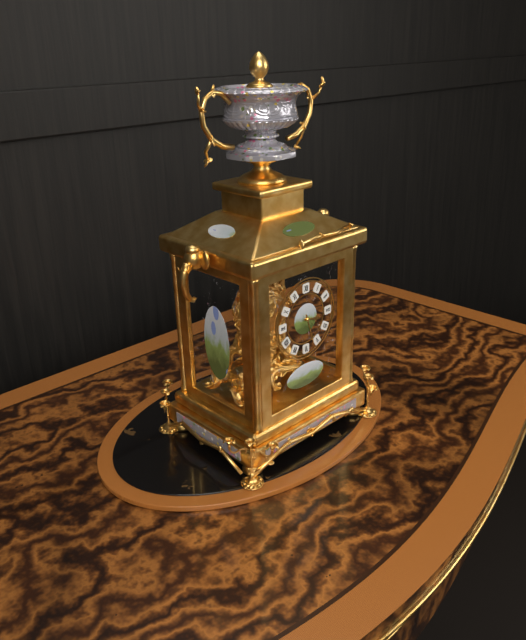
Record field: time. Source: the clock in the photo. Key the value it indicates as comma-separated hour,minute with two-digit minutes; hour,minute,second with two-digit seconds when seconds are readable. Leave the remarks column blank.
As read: 3,27
